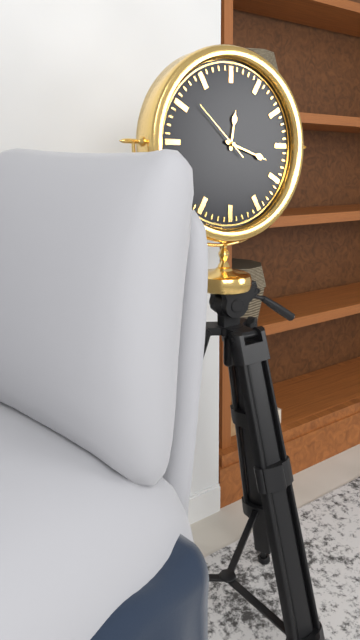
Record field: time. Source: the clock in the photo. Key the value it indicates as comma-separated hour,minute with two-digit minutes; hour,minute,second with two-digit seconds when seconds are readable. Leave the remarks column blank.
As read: 12,18,52
